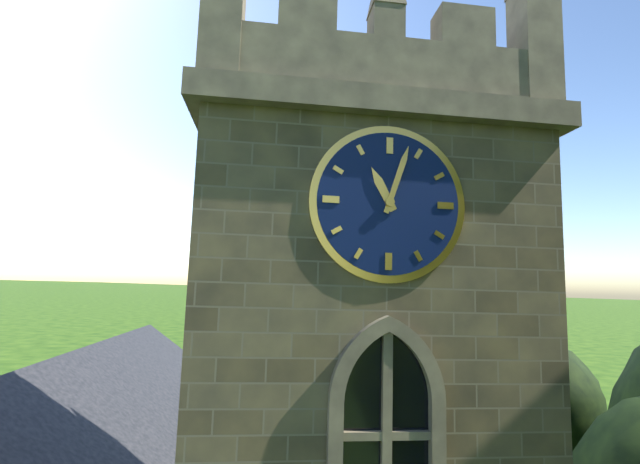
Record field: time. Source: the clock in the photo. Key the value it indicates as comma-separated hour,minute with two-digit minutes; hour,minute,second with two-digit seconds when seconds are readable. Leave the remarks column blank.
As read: 11,03
